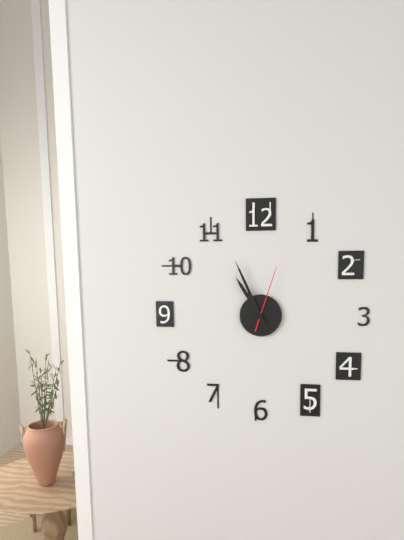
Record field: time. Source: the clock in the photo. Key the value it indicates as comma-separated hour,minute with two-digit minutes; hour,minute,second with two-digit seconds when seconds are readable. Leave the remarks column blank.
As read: 10,56,03
